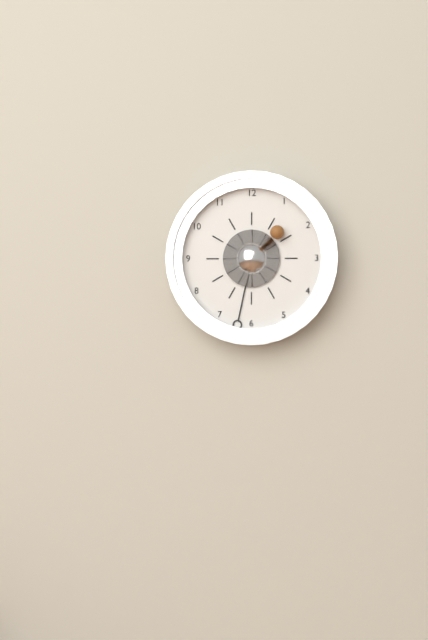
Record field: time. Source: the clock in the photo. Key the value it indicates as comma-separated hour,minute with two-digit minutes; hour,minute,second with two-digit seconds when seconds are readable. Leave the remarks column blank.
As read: 1,32
